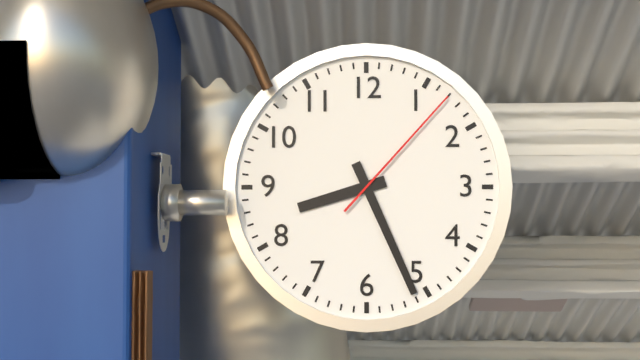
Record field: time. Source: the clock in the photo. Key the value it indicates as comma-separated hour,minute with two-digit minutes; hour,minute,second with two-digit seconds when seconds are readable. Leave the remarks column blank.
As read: 8,26,07
